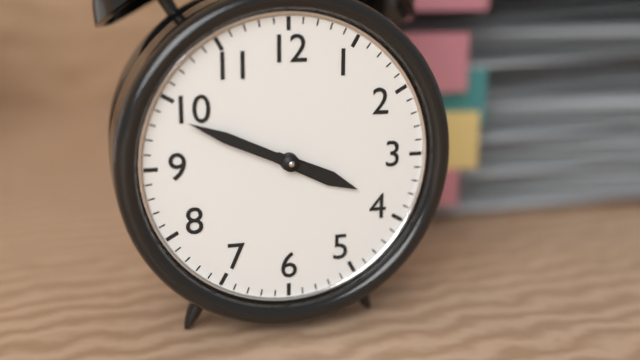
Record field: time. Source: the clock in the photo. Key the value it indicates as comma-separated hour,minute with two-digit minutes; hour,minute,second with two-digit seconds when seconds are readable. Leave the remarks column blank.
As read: 3,49
